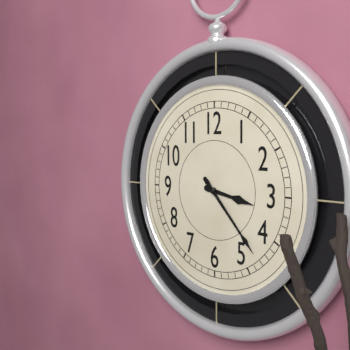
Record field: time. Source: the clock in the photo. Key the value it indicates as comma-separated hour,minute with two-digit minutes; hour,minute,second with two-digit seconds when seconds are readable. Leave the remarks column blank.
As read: 3,23
